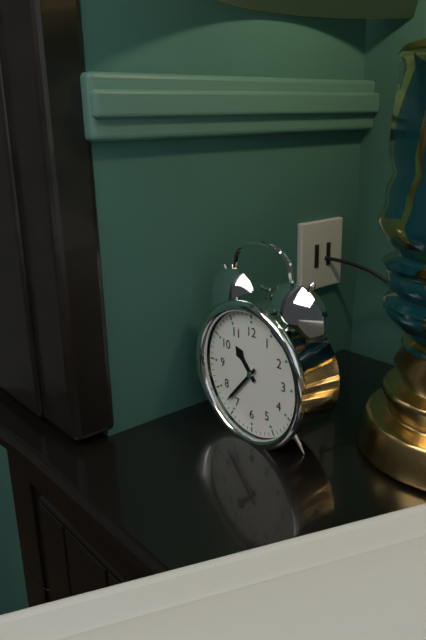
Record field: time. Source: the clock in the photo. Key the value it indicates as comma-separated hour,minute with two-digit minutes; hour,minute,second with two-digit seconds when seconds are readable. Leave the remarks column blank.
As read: 10,37
